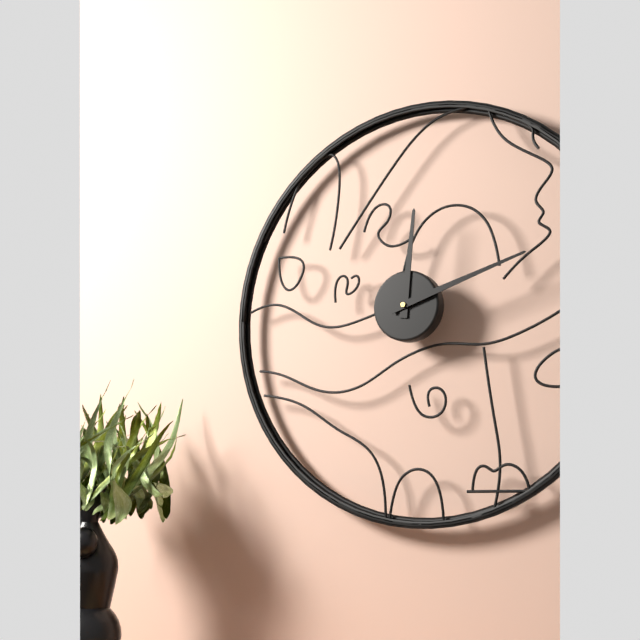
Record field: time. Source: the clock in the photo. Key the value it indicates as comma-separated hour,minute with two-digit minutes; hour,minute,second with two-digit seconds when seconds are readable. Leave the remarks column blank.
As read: 12,12
